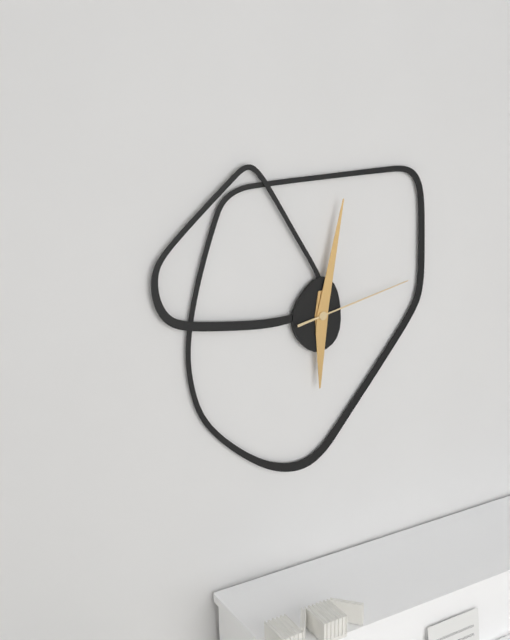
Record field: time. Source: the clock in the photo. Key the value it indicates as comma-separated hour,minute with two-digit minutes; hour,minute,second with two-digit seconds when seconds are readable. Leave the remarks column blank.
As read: 6,02,13
